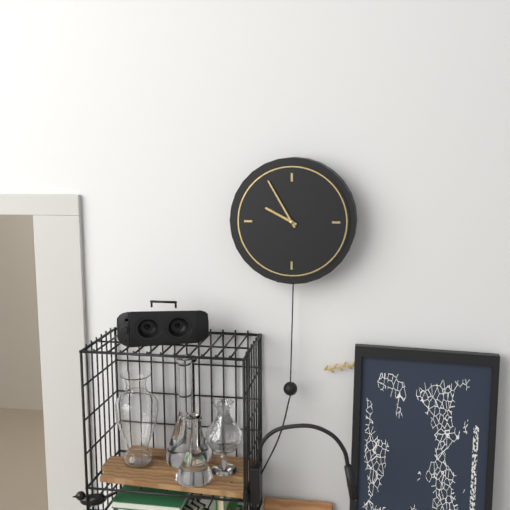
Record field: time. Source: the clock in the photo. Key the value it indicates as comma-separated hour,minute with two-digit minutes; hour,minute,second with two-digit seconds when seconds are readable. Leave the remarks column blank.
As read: 9,55
